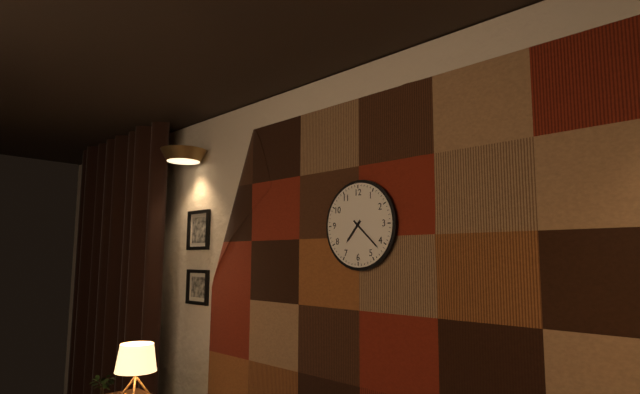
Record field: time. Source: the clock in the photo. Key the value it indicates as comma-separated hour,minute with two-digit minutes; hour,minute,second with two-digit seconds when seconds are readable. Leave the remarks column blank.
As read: 7,22
